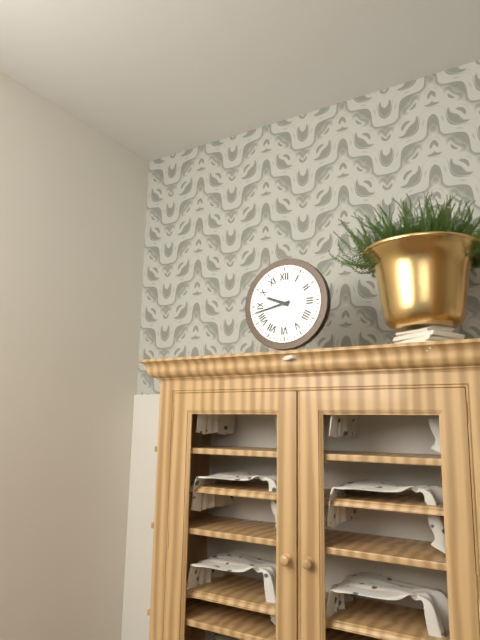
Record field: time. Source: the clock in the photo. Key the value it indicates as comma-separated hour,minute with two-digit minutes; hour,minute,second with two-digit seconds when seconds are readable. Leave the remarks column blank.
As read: 9,43
